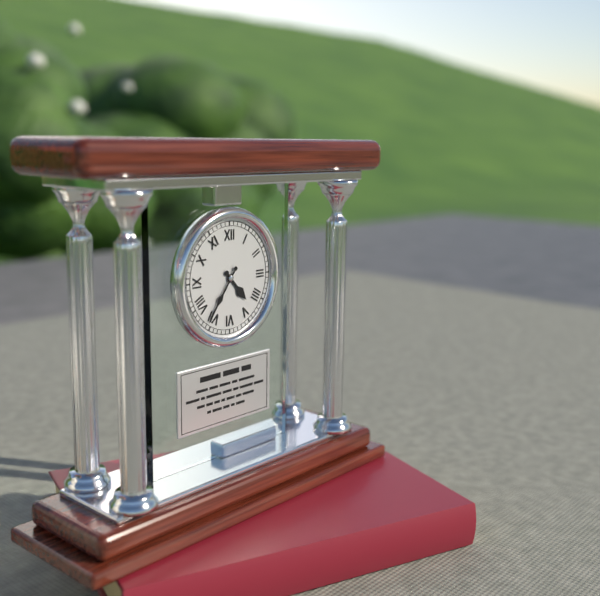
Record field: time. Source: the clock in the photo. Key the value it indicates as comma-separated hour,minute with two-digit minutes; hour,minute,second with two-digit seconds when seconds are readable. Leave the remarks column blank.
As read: 4,36
